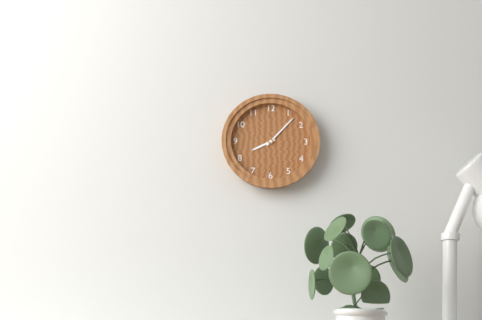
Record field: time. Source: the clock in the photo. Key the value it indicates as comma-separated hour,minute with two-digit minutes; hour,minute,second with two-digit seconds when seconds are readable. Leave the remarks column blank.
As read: 8,07
